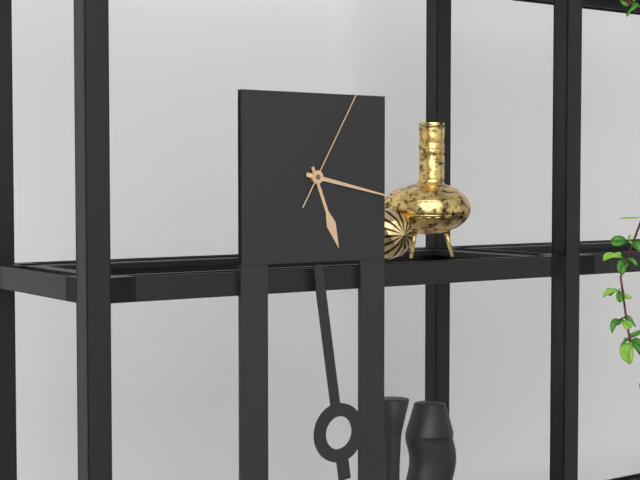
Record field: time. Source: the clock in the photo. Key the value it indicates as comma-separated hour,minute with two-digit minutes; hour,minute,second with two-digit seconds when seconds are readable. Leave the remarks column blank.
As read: 5,17,05
